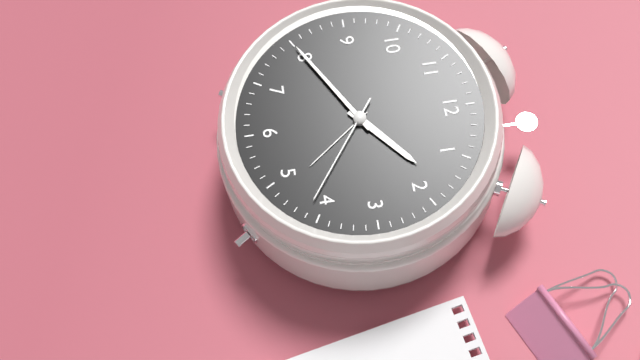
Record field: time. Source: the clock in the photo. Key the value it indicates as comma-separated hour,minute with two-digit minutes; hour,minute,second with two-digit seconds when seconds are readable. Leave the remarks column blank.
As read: 1,40,21
